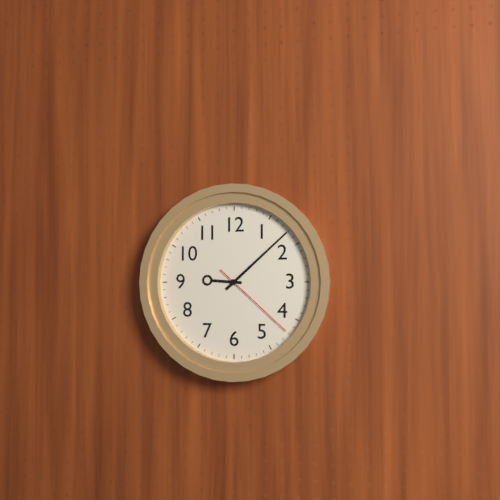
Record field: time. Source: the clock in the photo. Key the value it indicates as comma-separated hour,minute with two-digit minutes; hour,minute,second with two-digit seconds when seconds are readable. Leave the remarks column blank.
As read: 9,08,22
